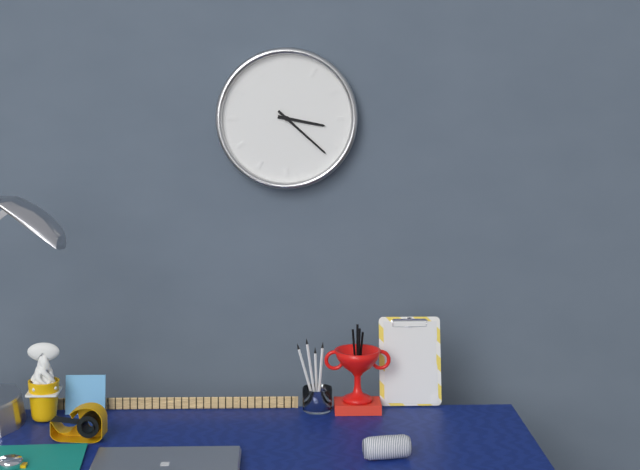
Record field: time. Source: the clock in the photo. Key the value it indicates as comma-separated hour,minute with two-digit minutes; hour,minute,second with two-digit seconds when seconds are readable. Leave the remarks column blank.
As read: 3,22
